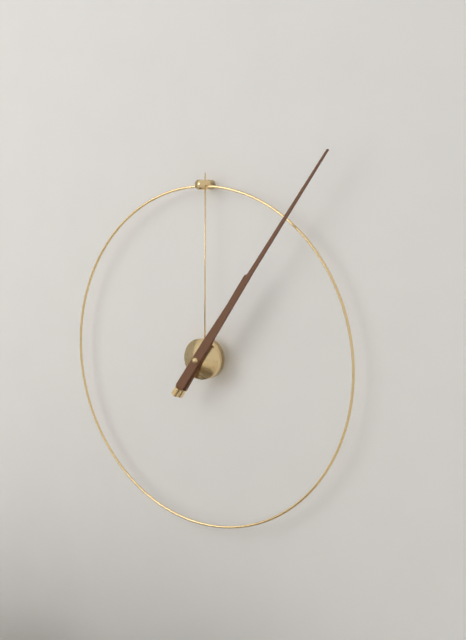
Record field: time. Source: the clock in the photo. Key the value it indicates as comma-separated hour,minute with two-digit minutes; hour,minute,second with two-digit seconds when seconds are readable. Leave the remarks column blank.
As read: 1,06
